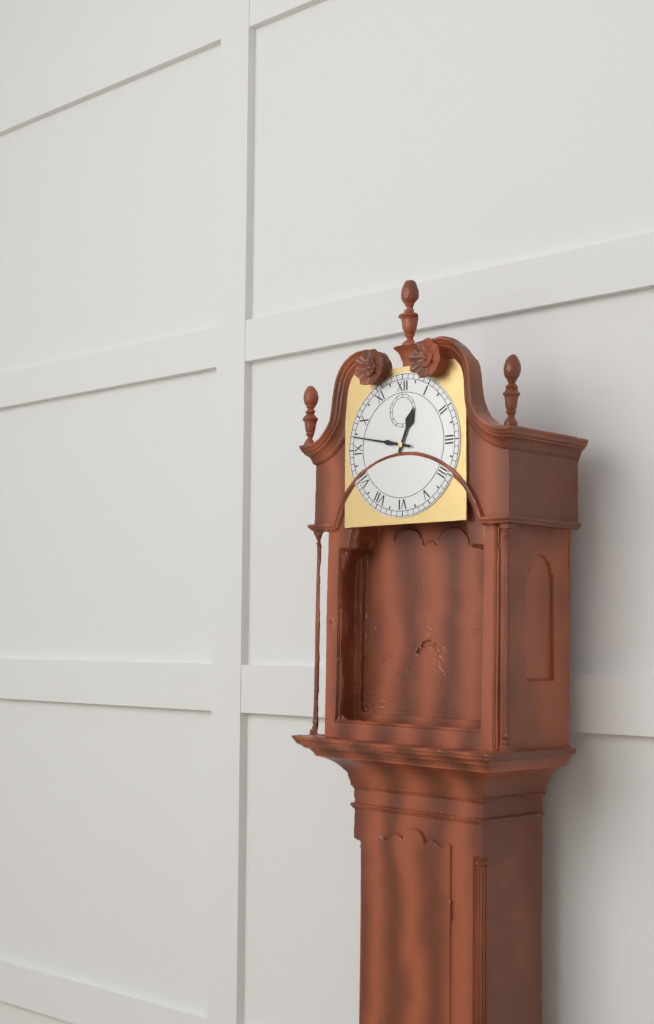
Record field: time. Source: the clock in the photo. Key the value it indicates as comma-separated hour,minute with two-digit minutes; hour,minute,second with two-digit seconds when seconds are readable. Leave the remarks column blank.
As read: 12,47
